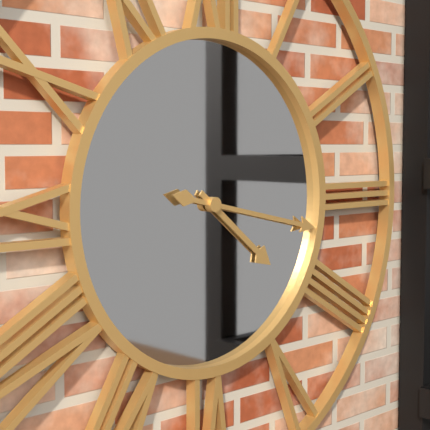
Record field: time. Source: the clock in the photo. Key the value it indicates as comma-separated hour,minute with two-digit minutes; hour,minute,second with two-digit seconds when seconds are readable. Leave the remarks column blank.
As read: 4,17
